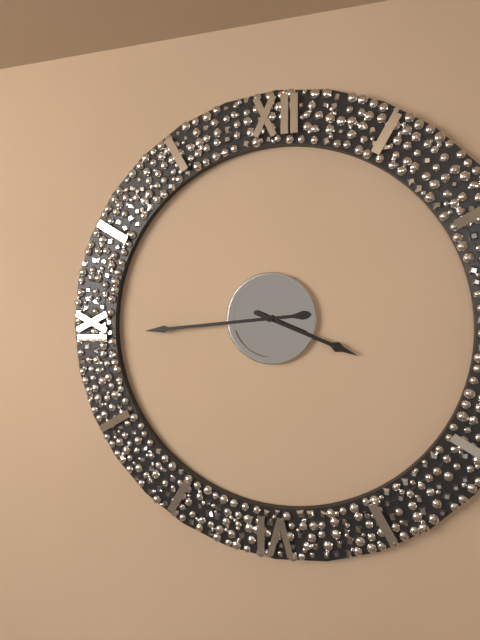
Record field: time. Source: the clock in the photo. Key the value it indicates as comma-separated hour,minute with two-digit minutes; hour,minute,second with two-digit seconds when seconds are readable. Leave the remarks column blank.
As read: 3,44
